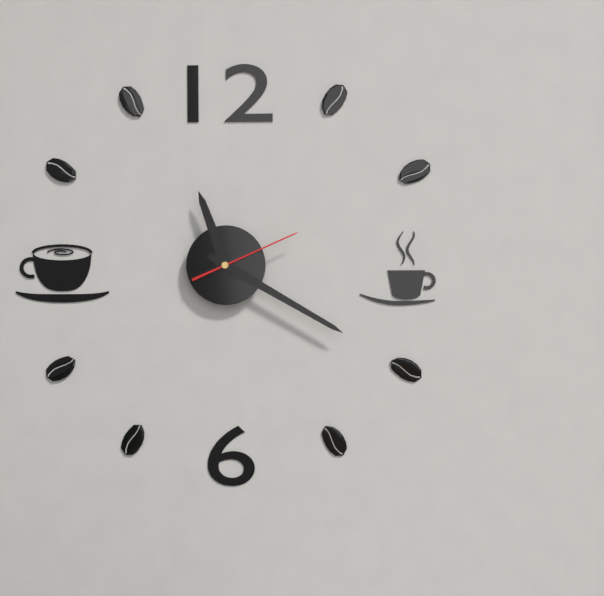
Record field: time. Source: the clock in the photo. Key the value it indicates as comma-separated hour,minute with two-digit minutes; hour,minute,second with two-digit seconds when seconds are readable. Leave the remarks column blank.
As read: 11,20,11
